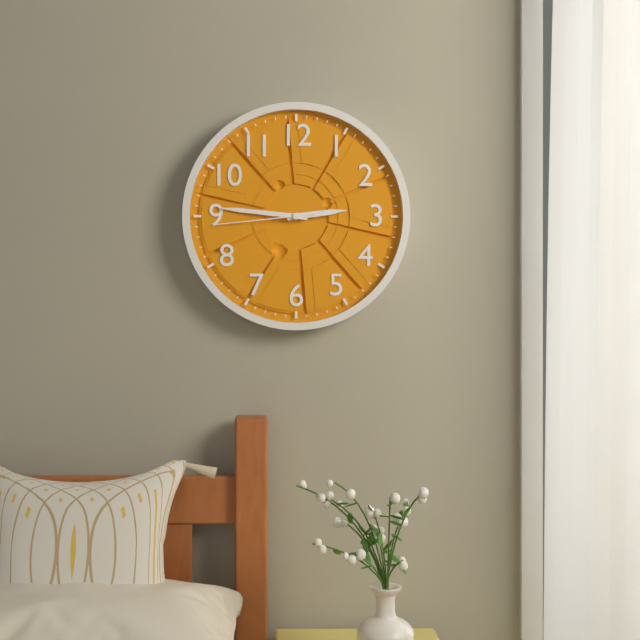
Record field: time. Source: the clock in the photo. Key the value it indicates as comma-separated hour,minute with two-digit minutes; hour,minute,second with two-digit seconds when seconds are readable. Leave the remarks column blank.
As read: 2,46,44
